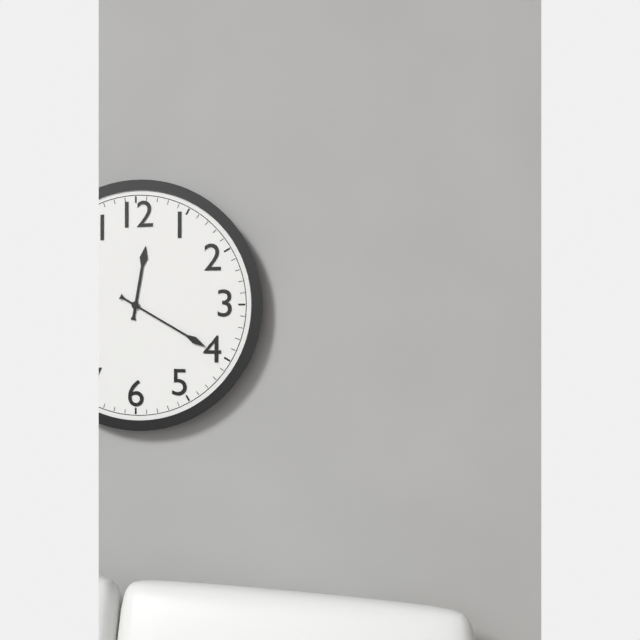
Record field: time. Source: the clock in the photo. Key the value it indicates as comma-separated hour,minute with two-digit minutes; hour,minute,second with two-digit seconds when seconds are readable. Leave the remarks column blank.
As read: 12,20
